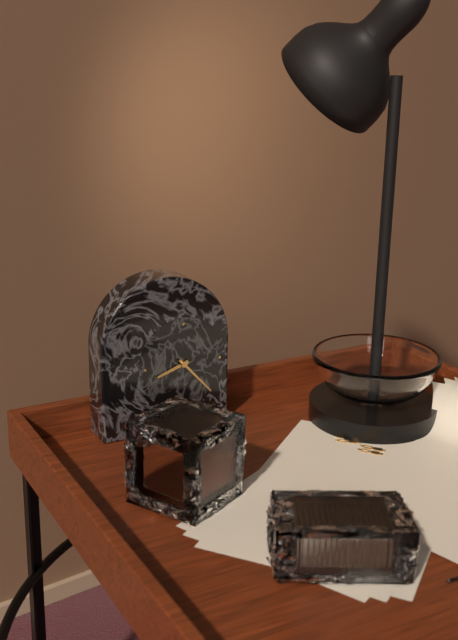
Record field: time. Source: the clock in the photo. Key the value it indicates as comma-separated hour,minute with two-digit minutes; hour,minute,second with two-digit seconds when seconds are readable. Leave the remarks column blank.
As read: 8,23
